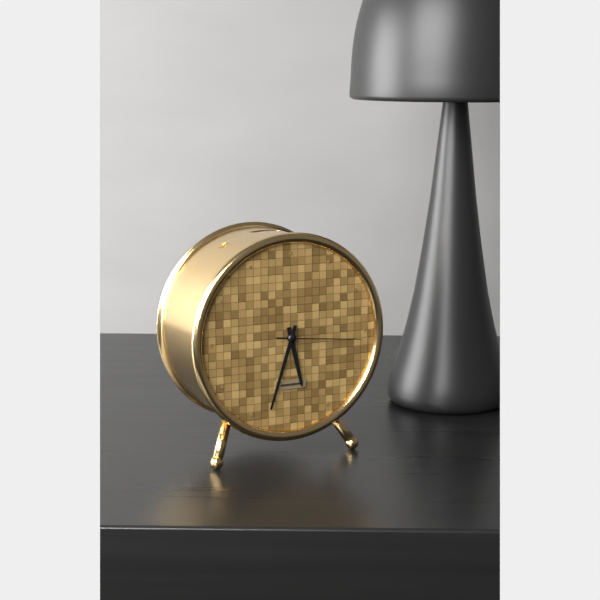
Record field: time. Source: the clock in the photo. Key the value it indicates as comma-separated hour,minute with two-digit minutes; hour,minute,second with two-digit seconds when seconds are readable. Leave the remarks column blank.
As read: 5,33,16
